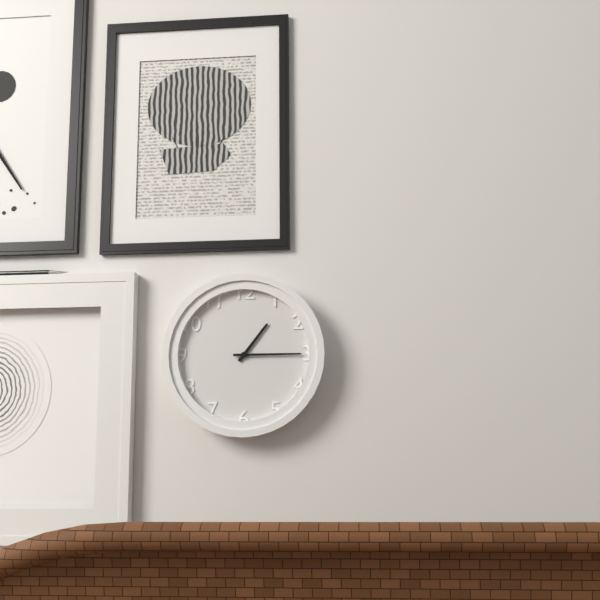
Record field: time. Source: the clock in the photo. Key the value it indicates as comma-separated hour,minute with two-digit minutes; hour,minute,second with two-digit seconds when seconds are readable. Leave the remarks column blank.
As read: 1,15
